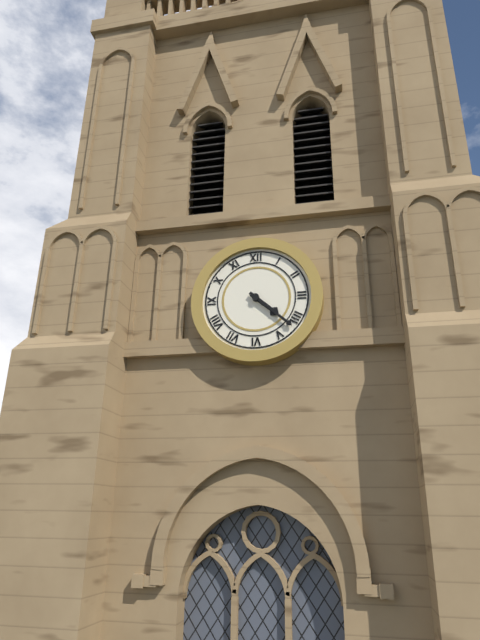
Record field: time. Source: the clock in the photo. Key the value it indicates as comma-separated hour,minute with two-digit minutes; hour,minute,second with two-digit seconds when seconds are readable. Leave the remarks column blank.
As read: 4,22
